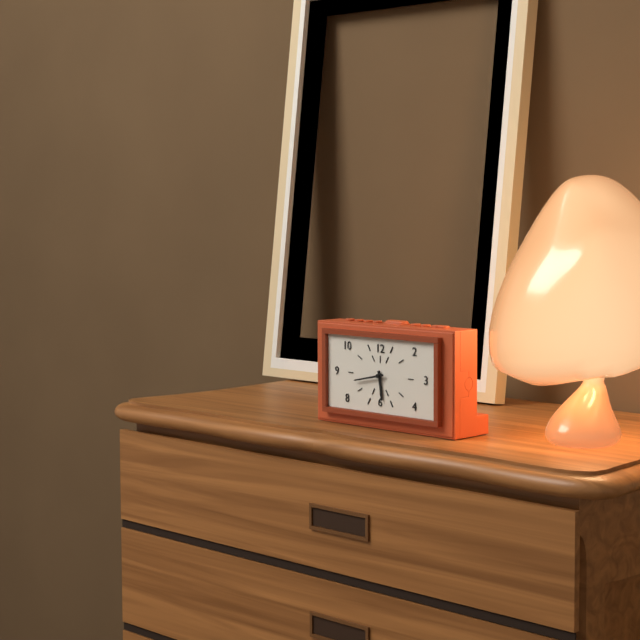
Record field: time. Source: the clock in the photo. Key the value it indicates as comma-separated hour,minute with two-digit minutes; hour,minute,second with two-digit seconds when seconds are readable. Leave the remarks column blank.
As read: 5,43
